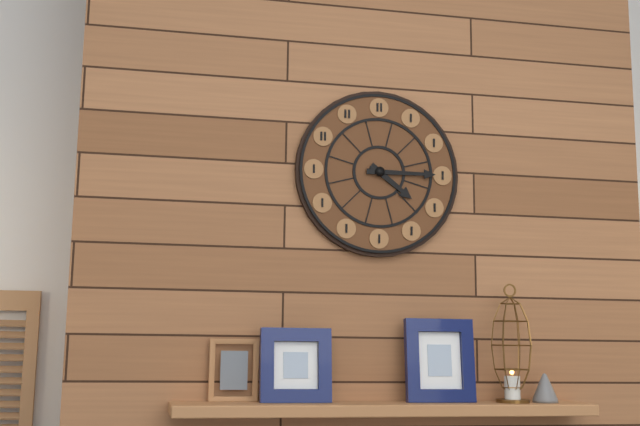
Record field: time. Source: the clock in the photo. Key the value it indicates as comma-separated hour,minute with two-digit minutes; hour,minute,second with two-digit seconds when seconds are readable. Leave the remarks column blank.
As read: 4,15
